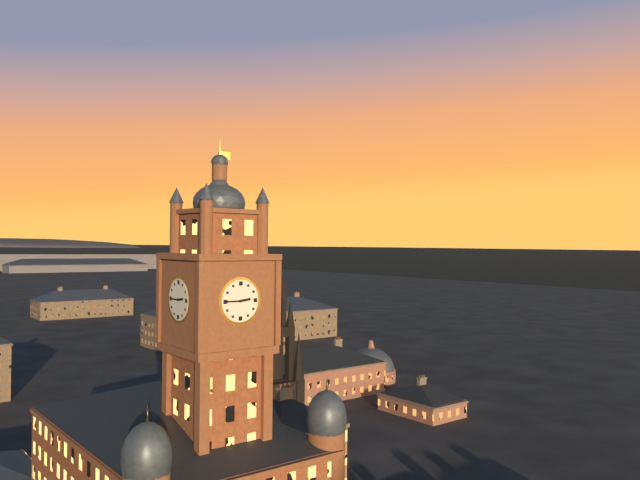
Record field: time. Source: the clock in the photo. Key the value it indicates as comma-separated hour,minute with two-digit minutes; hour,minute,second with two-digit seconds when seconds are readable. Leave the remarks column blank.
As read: 2,45
